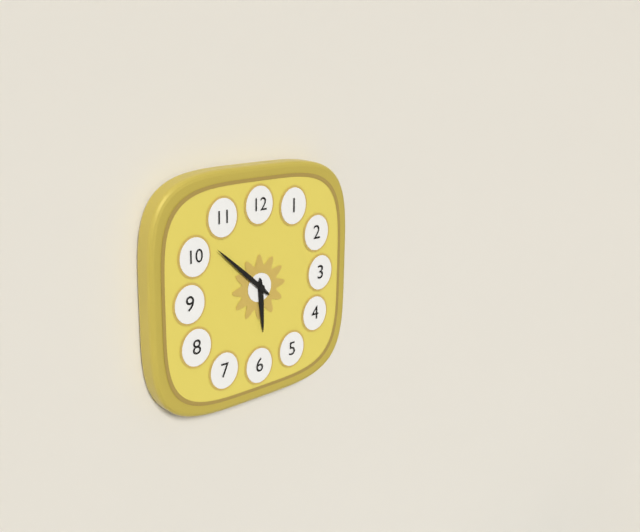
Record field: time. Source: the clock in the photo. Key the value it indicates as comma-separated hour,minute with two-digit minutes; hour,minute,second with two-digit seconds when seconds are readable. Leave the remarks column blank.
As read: 5,52
